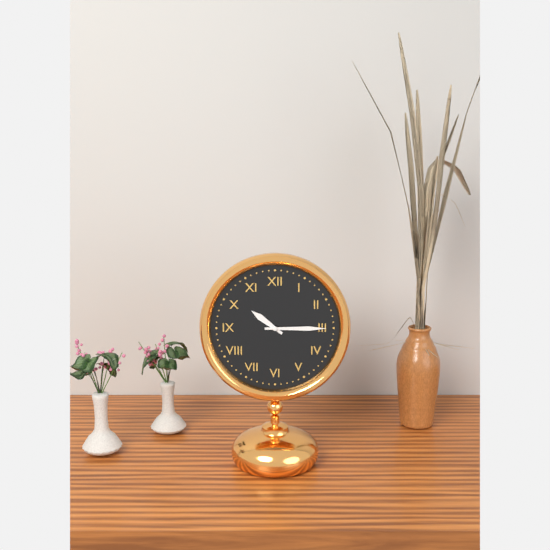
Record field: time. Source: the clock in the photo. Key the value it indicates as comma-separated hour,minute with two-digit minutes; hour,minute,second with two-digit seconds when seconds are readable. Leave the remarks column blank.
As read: 10,15
